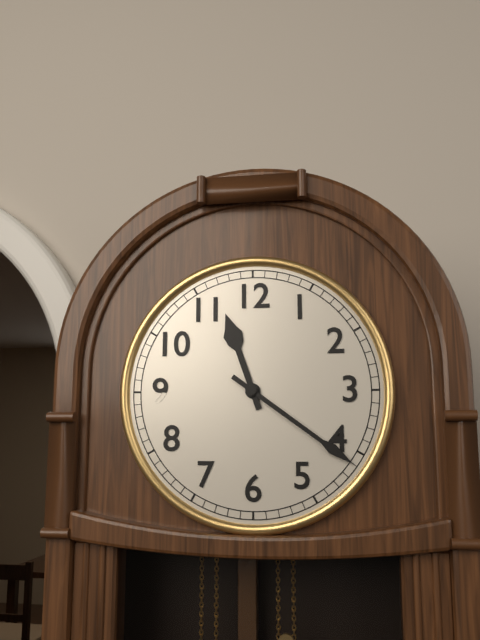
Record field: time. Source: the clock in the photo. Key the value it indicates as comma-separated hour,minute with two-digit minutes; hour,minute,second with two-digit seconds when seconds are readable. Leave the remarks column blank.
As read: 11,21
